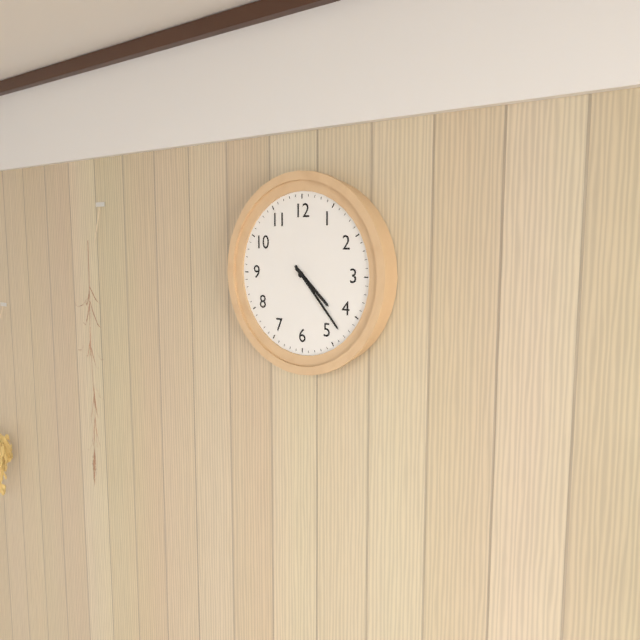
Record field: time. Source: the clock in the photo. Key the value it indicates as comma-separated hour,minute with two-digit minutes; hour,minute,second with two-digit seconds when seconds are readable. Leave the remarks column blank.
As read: 4,23
